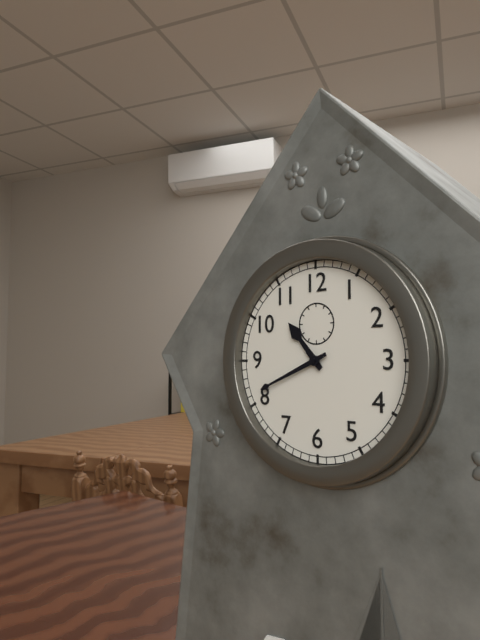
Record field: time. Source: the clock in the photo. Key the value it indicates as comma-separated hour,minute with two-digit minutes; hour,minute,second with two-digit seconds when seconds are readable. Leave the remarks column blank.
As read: 10,41
